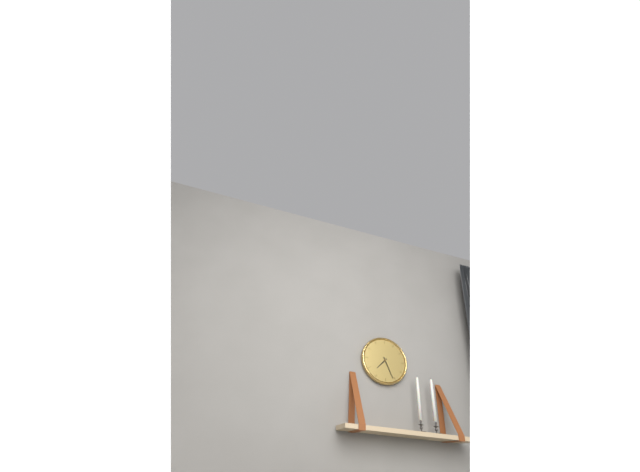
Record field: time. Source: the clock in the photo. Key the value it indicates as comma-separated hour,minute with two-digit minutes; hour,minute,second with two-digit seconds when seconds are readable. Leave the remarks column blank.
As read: 7,26
